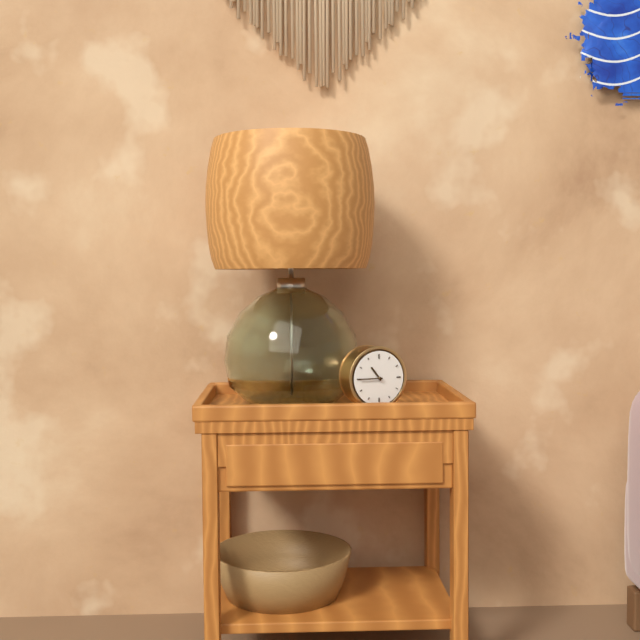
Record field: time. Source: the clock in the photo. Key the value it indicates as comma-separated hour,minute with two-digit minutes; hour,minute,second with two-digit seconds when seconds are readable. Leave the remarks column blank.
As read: 10,45
